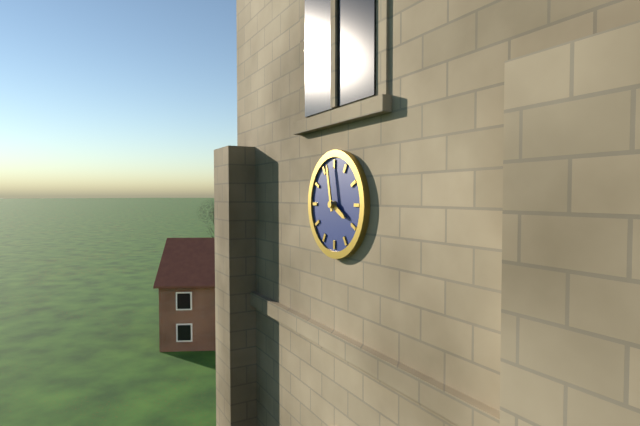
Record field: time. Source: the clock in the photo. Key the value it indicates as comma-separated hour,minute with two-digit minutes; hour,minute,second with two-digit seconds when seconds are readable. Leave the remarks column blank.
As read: 3,58
